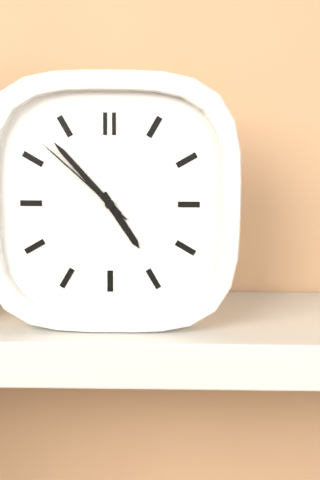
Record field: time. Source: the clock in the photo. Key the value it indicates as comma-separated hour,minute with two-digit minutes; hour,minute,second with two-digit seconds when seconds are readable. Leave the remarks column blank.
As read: 4,53,52
